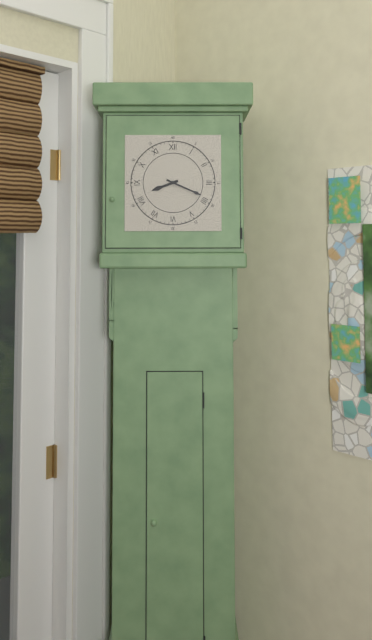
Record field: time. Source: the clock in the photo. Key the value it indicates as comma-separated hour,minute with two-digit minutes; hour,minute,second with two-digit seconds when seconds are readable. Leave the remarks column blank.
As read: 8,19
